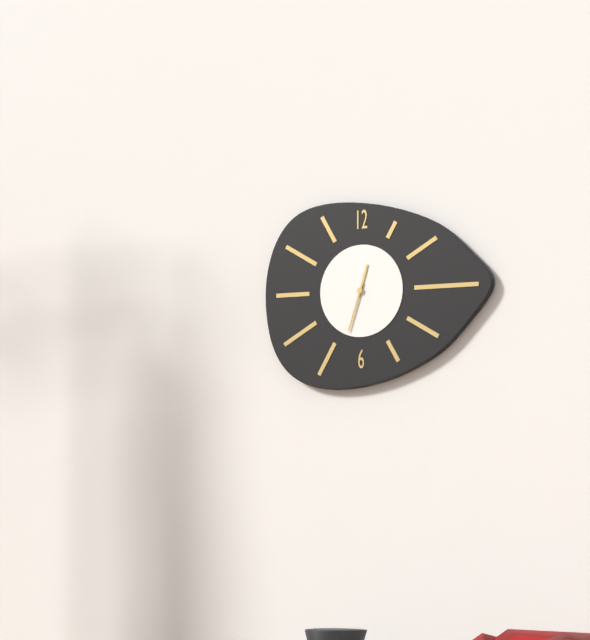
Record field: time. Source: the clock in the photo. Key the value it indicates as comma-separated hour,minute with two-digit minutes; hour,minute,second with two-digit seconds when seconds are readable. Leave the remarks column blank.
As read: 12,33
